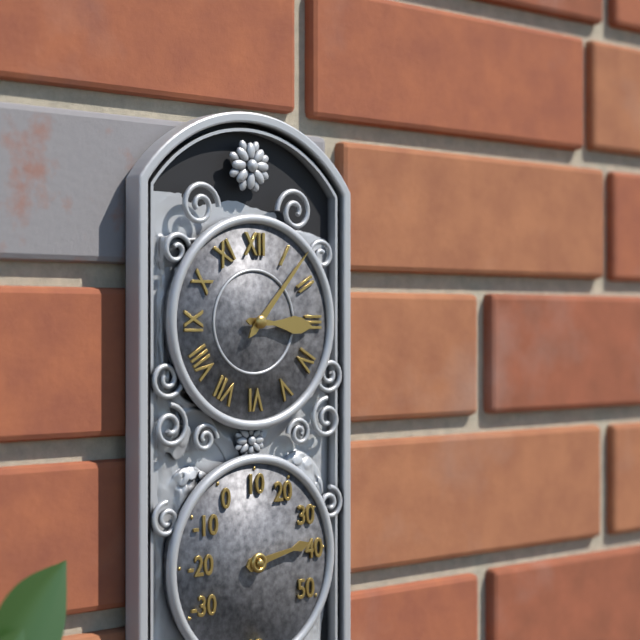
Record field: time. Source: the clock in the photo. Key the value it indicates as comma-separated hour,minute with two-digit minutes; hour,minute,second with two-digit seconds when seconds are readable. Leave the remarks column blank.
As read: 3,07
